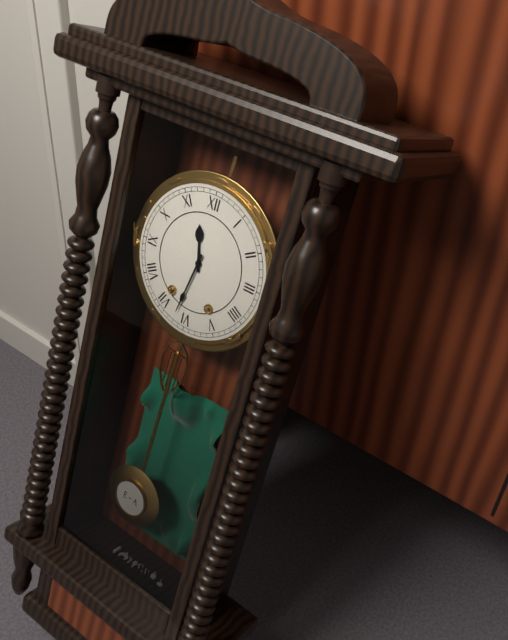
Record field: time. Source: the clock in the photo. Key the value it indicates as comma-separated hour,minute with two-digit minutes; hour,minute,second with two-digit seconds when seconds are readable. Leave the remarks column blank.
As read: 11,32
